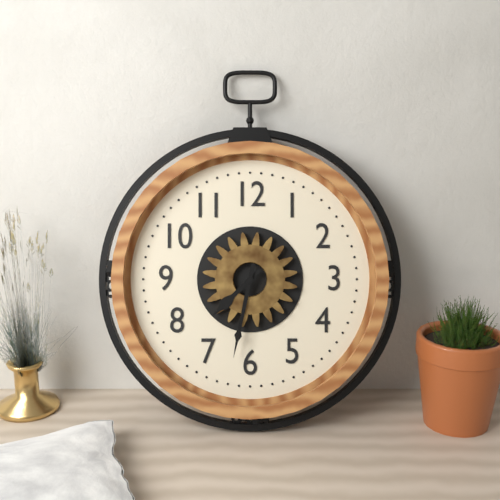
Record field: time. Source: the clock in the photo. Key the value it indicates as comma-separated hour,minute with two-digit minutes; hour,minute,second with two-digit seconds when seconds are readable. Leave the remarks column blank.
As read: 7,32
